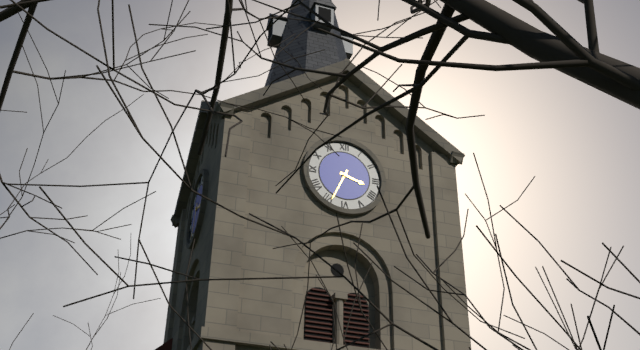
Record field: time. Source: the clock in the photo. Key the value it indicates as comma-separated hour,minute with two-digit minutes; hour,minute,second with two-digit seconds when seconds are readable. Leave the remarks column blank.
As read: 3,34
